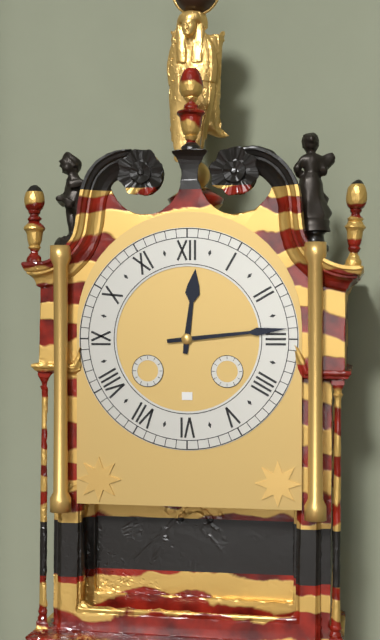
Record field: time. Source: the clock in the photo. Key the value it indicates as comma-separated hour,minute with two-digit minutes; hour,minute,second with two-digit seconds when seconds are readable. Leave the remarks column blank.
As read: 12,14
